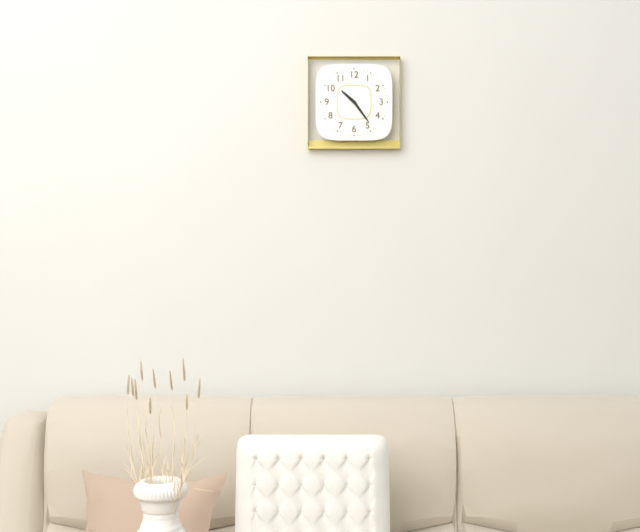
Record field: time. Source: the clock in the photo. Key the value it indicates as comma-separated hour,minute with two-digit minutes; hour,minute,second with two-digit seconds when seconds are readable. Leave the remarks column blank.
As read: 10,24
